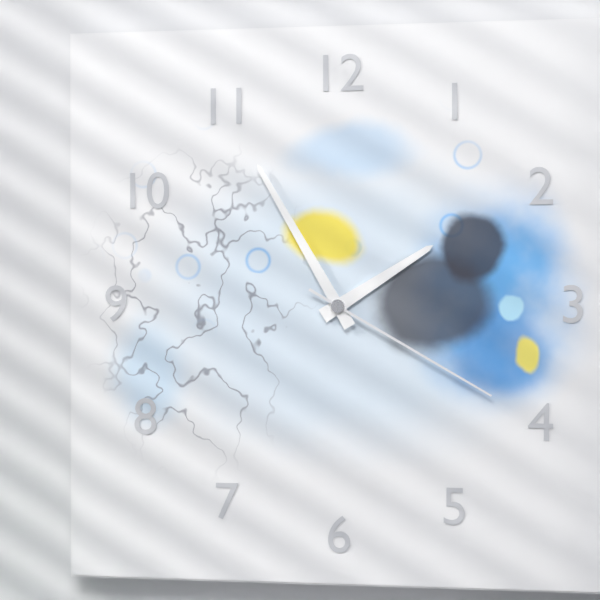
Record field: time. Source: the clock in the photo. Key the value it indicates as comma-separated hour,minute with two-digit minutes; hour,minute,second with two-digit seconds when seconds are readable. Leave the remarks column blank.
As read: 1,55,20
